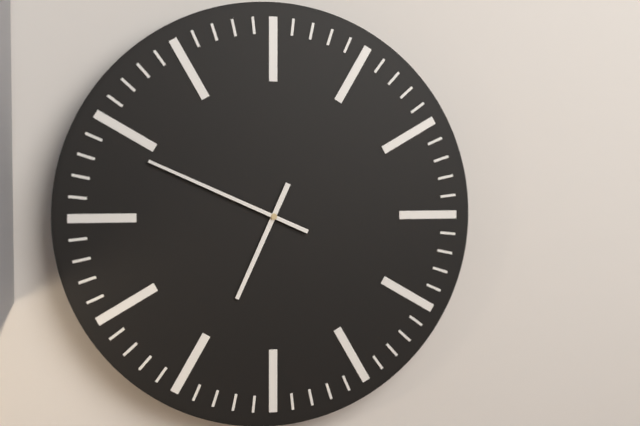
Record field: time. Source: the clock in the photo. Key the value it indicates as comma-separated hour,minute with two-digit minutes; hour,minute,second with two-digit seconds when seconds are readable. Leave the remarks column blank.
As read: 6,49
